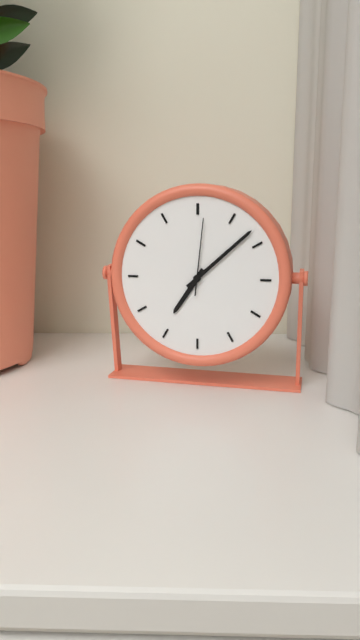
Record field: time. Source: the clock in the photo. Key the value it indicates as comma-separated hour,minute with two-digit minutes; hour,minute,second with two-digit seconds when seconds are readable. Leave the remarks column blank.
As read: 7,08,01
